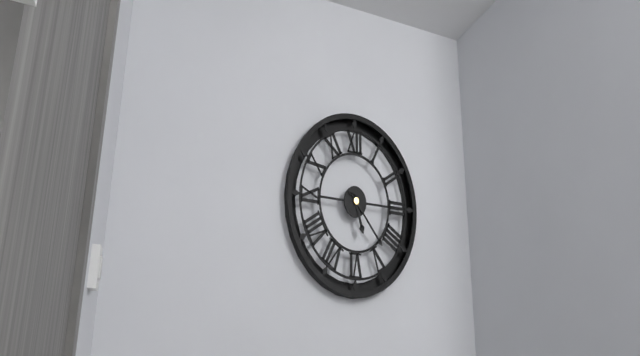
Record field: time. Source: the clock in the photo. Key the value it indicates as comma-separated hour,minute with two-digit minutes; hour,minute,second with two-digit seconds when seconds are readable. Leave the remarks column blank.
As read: 5,23
